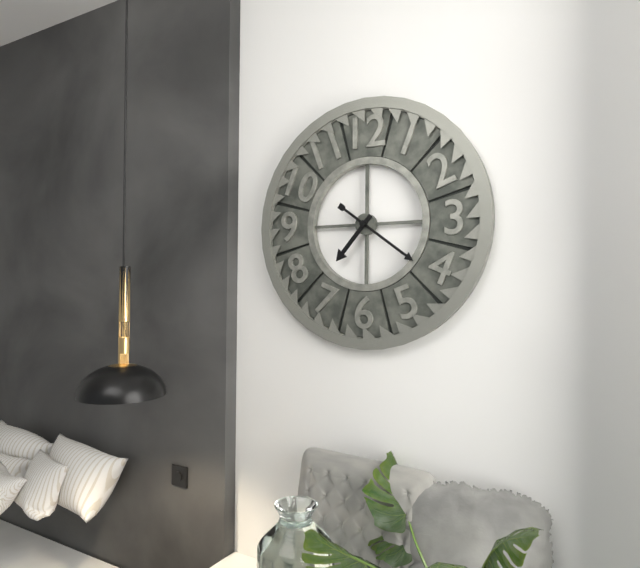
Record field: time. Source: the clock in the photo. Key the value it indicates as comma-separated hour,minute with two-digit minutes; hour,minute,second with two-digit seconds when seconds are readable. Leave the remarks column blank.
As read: 7,21
